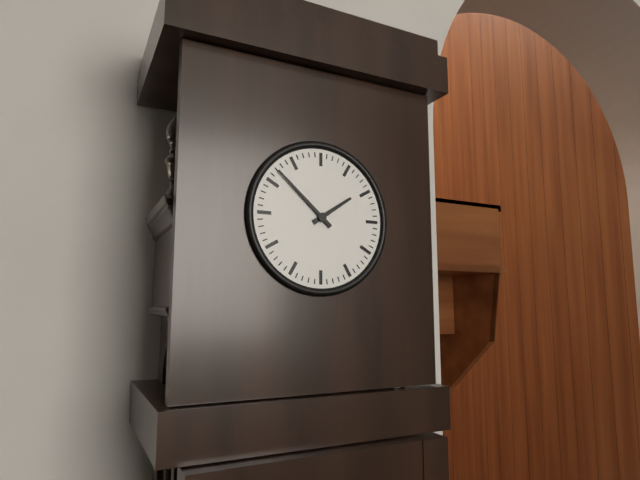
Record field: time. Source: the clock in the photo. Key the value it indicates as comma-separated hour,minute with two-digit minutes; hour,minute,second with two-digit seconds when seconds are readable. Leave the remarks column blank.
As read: 1,52
